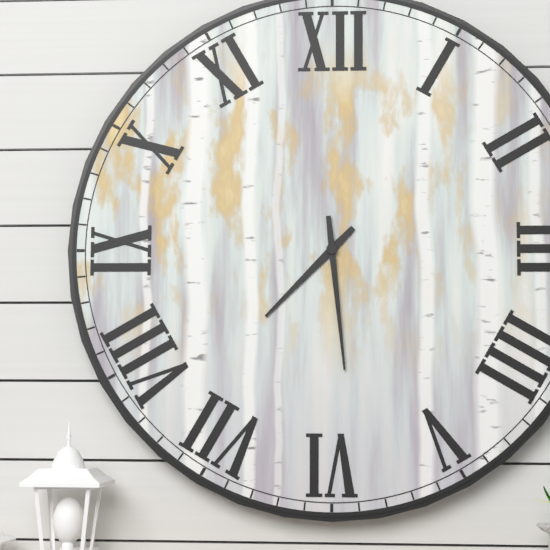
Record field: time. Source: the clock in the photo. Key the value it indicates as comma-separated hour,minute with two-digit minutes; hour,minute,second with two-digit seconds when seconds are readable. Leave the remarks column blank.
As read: 7,29
